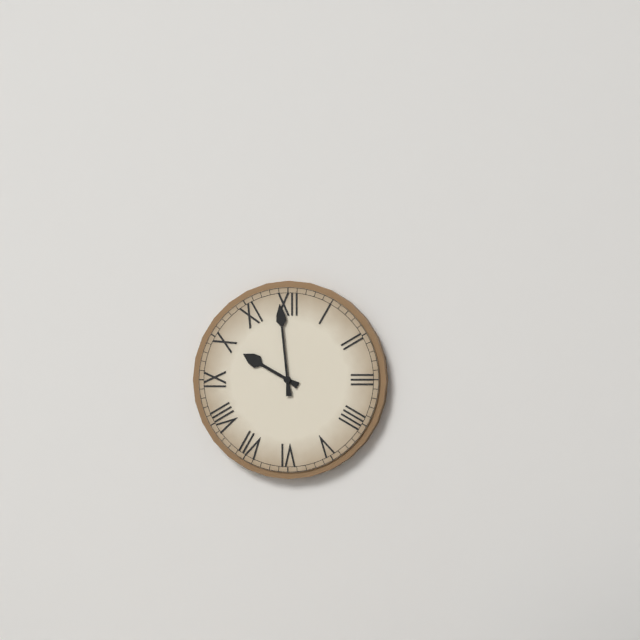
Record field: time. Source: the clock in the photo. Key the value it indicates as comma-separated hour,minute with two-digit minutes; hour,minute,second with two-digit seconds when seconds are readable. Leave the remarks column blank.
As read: 9,59
